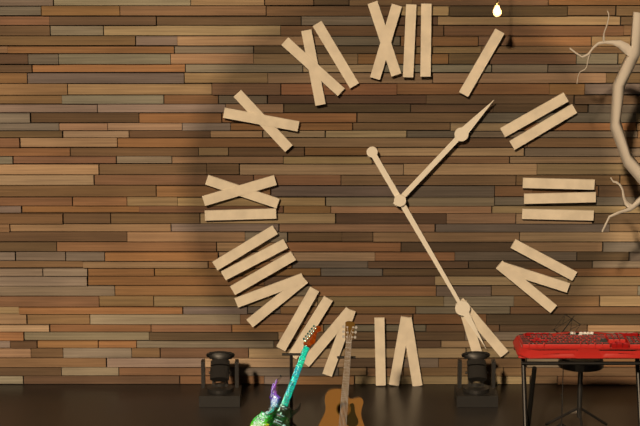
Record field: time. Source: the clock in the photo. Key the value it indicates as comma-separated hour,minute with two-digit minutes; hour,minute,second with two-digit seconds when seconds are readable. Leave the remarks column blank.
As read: 1,25
